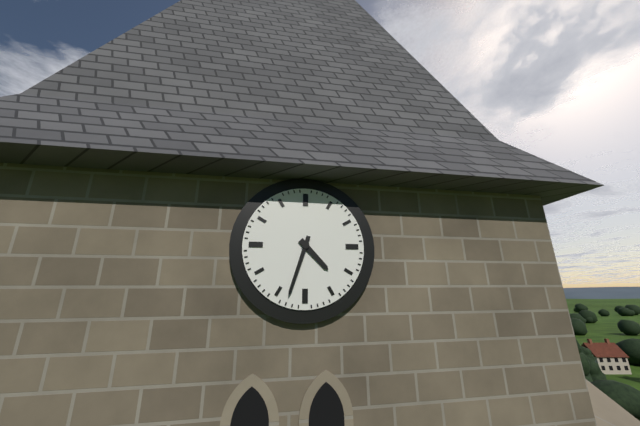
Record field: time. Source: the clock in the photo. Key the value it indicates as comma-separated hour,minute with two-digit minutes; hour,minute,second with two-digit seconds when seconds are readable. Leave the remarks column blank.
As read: 4,33
